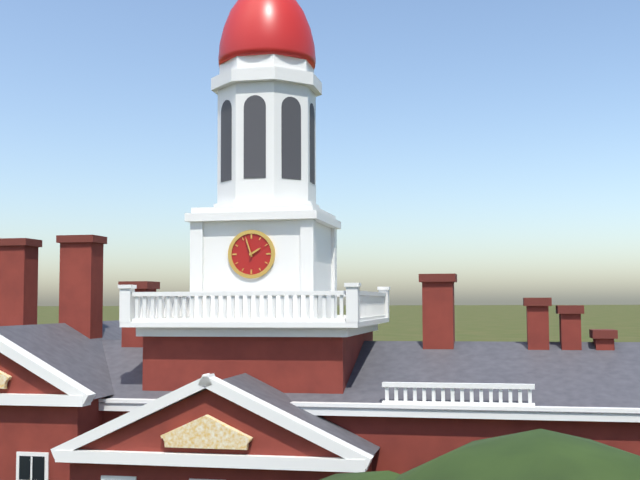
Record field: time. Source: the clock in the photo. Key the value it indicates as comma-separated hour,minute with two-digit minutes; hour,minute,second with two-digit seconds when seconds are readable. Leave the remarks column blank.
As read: 1,57
